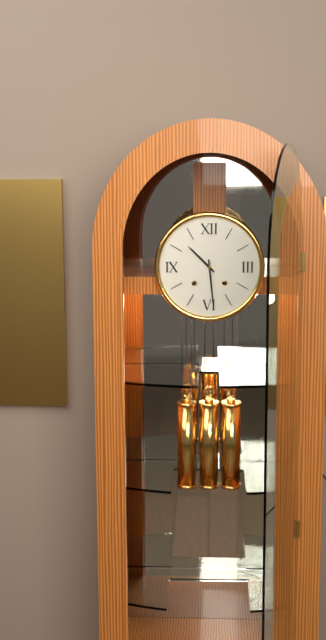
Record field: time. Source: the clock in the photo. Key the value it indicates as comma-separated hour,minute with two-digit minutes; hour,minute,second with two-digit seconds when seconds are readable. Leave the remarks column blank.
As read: 10,29
